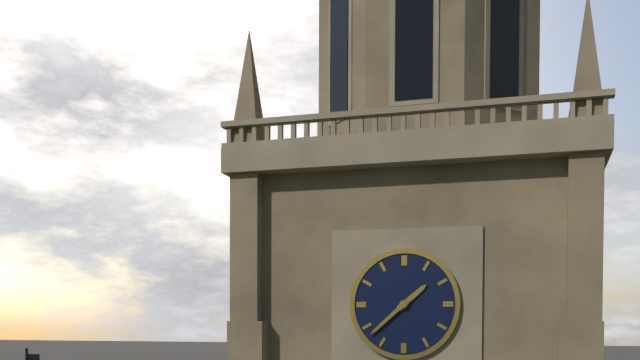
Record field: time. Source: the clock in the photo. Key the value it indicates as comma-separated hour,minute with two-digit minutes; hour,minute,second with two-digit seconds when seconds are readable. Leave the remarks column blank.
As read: 1,38
